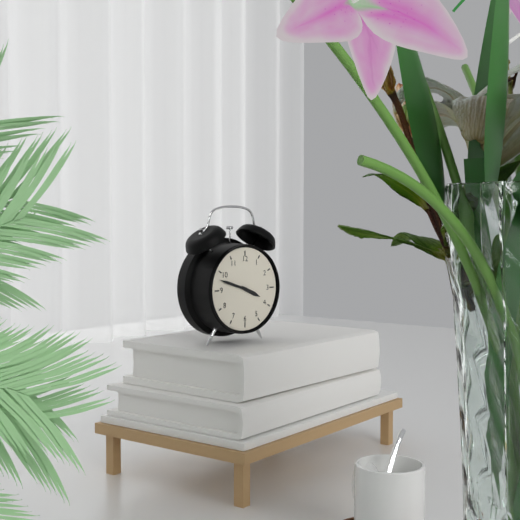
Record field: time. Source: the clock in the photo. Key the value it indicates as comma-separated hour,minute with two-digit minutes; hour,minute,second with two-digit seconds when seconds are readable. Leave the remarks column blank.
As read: 3,48
